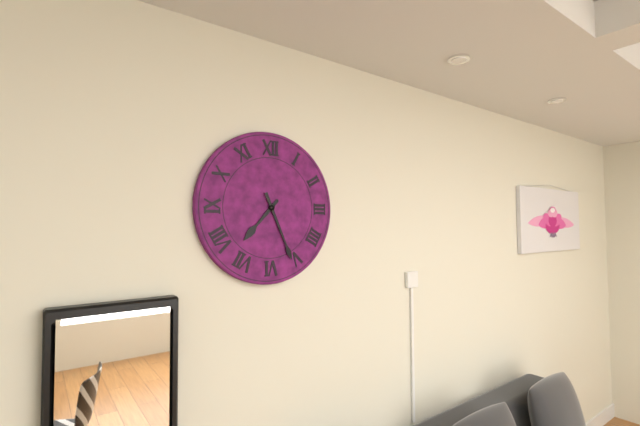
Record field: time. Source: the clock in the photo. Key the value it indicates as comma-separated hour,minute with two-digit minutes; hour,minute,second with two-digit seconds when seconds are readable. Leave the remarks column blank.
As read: 7,26
